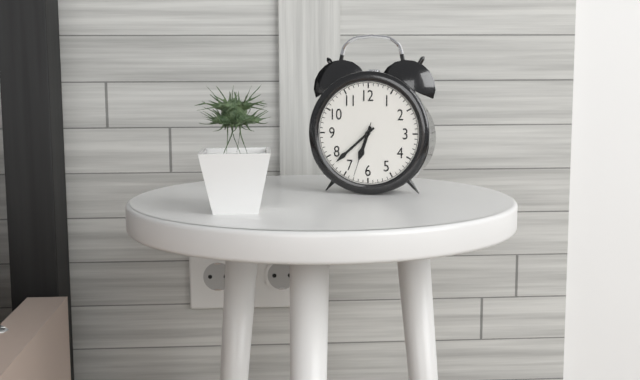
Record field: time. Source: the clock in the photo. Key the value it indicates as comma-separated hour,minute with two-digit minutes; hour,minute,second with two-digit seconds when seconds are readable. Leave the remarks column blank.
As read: 6,38,33
